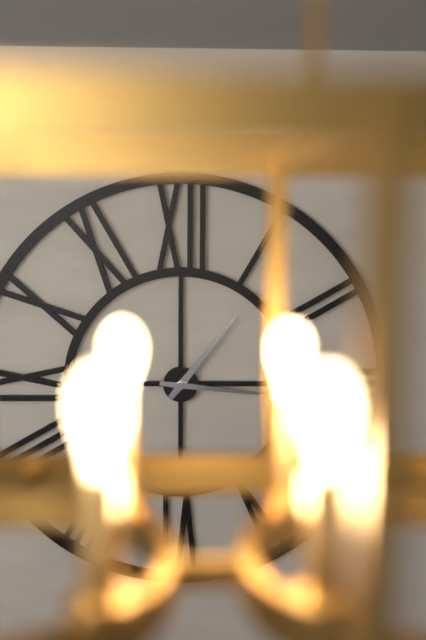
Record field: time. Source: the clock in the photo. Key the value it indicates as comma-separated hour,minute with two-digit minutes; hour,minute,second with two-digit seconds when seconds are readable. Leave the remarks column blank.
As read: 1,16
